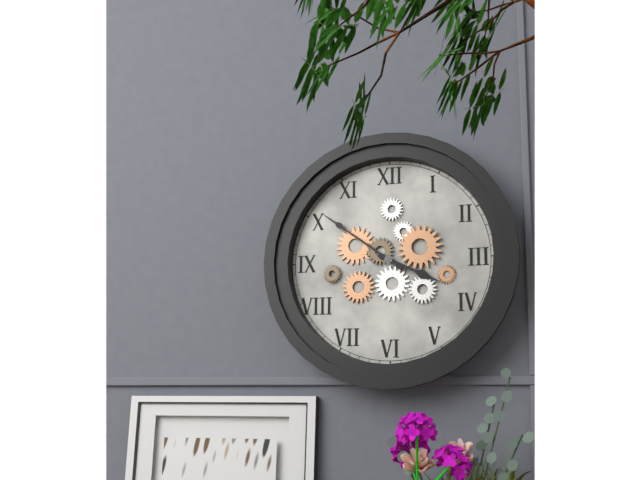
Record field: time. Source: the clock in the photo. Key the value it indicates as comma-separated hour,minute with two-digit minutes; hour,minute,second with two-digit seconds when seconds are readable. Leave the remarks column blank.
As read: 3,51
